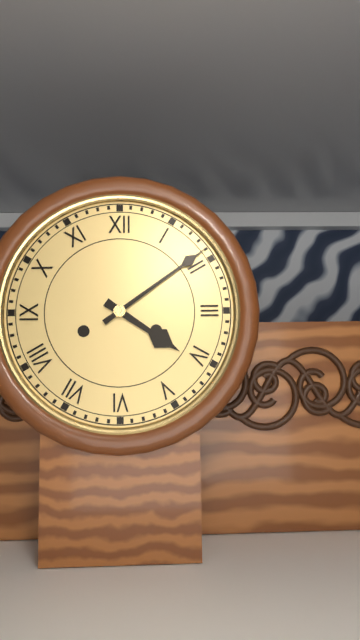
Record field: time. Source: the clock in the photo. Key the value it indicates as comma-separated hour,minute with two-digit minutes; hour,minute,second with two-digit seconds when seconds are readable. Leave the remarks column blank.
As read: 4,09
